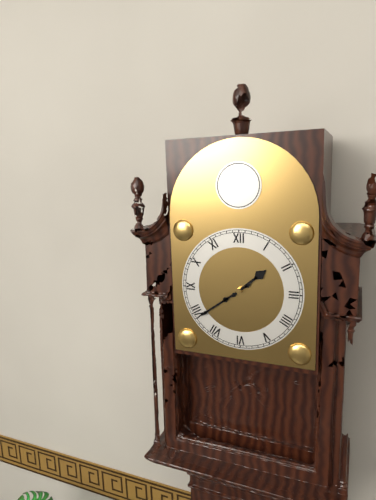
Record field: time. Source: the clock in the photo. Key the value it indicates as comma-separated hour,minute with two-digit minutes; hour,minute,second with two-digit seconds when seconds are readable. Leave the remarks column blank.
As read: 1,39
